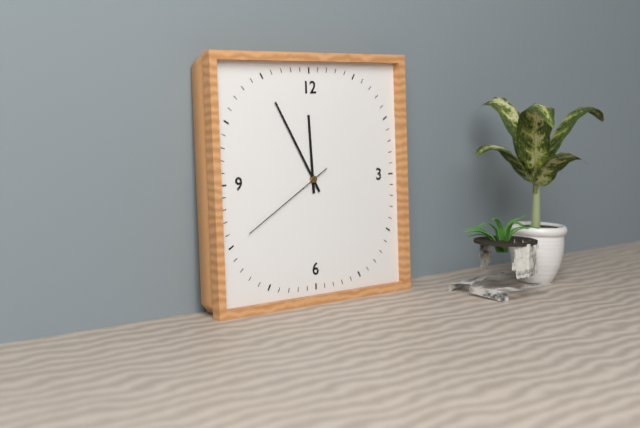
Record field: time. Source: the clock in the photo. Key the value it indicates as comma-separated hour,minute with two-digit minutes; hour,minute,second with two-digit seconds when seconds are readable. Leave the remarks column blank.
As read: 11,55,40
